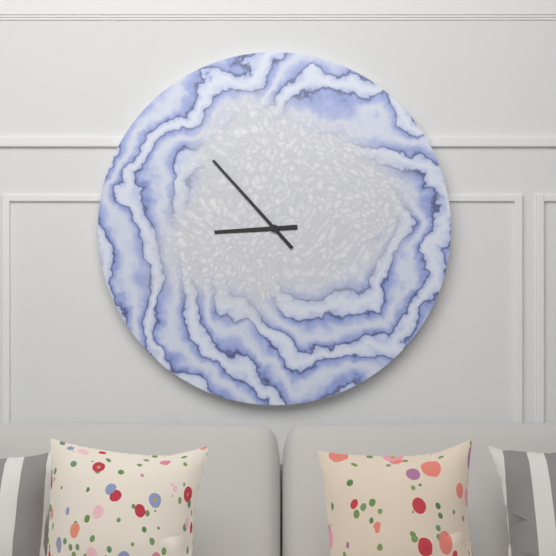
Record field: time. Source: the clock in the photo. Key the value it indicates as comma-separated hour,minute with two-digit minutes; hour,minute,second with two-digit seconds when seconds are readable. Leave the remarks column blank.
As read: 8,53
